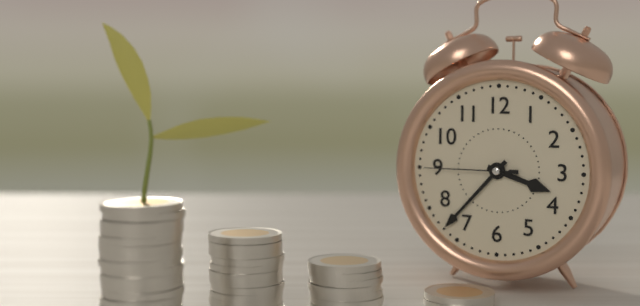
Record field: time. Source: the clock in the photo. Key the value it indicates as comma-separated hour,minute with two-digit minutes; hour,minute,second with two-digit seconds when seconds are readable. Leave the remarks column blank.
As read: 3,37,45
